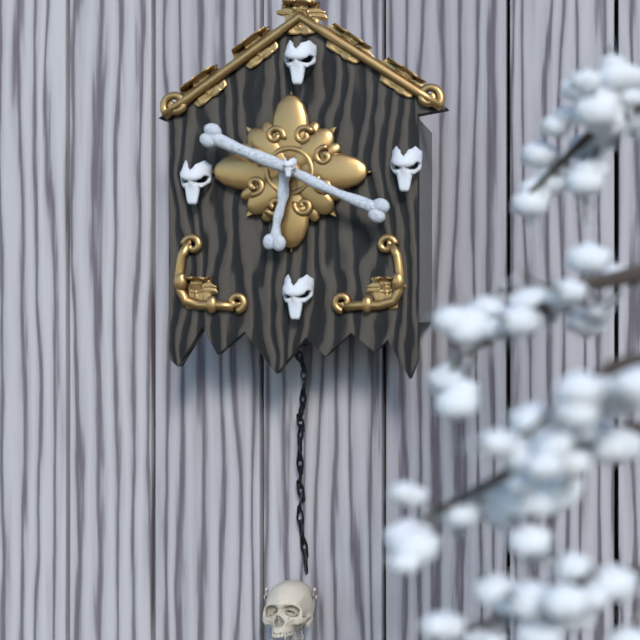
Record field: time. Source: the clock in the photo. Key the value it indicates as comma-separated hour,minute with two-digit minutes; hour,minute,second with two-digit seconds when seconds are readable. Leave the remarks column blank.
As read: 6,19
